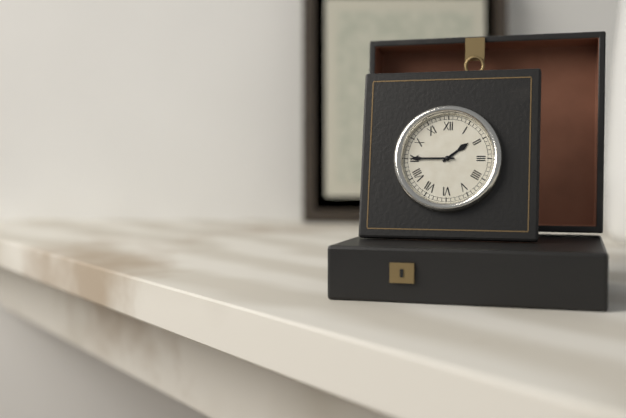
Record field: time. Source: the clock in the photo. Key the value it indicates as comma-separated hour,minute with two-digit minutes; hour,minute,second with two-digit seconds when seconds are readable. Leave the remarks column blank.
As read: 1,45
